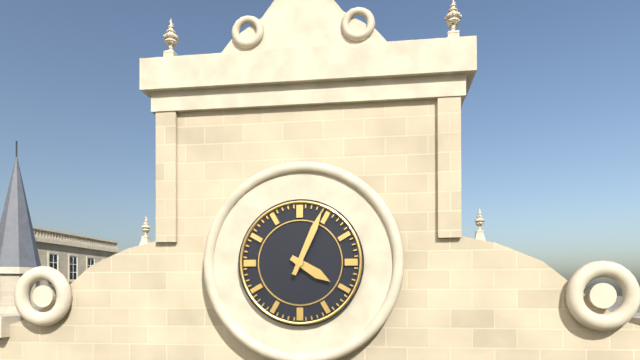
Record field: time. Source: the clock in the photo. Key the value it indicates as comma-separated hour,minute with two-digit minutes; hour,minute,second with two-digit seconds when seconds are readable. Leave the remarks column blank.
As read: 4,04
